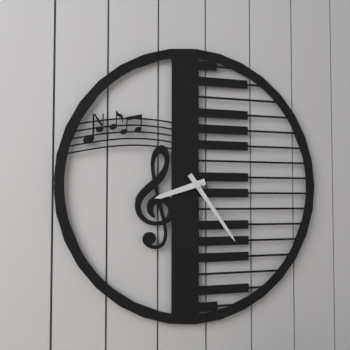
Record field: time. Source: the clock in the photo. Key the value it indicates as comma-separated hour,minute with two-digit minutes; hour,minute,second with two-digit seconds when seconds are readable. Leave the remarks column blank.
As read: 8,24
